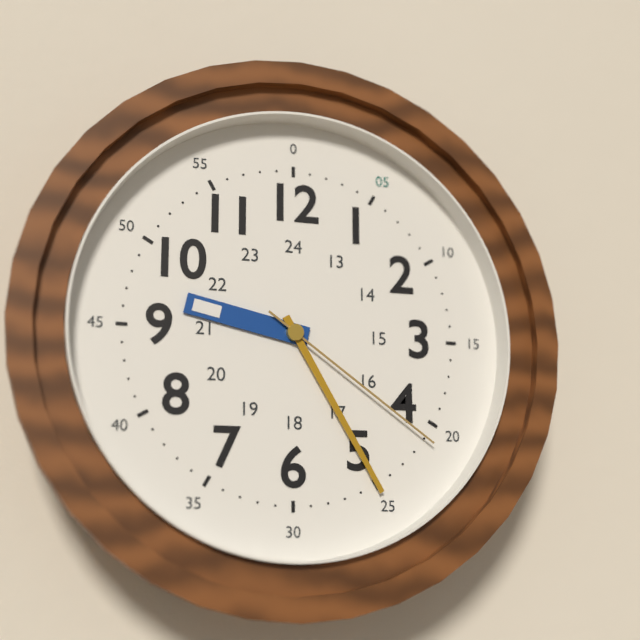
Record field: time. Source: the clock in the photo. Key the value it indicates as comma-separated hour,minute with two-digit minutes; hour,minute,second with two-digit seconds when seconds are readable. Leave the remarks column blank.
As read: 9,25,21
